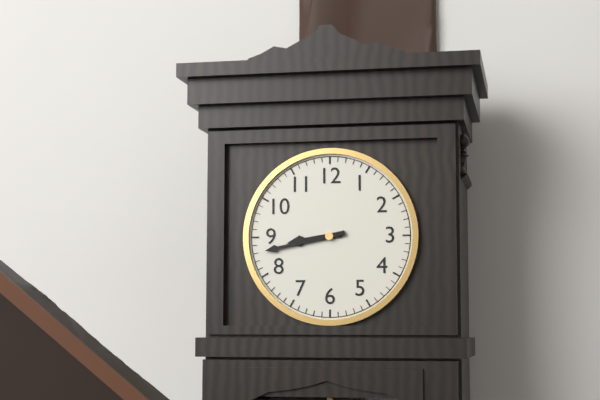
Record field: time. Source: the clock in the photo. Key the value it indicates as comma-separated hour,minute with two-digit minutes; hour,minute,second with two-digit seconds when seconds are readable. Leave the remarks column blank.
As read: 8,43
